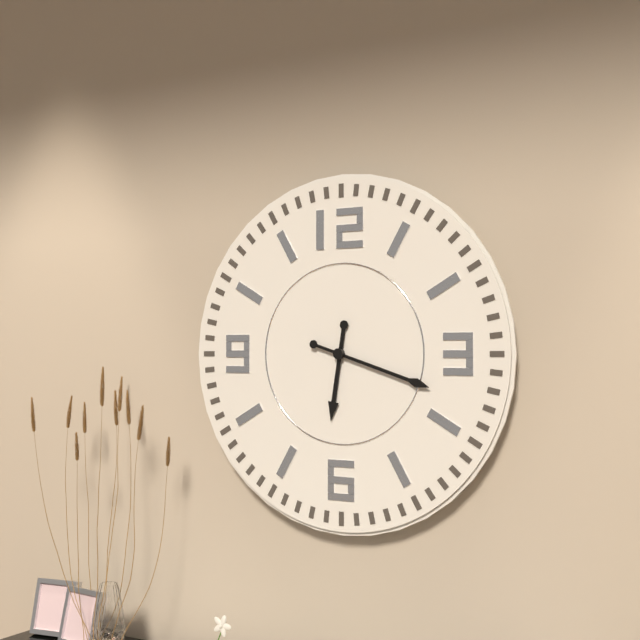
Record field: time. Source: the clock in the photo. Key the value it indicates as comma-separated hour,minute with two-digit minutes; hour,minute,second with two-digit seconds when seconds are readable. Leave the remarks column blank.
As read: 6,18
